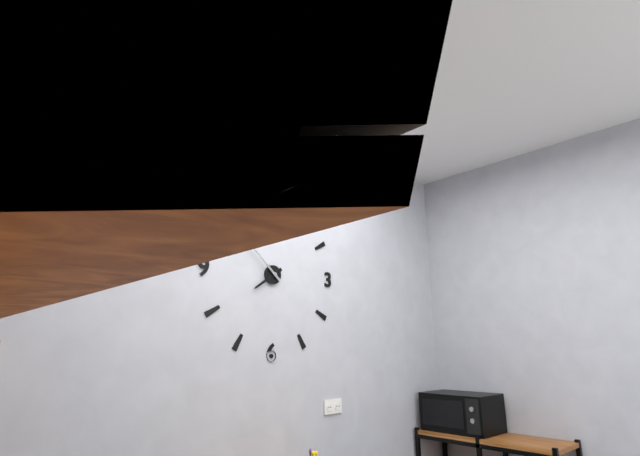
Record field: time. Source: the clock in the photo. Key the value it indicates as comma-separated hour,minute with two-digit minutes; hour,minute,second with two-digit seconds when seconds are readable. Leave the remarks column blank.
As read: 7,52
